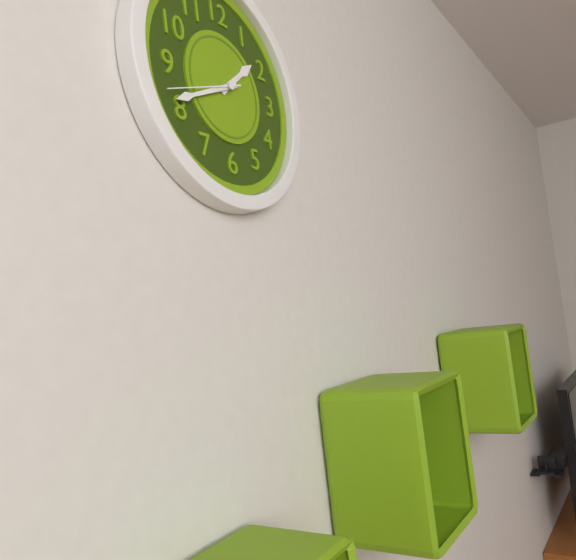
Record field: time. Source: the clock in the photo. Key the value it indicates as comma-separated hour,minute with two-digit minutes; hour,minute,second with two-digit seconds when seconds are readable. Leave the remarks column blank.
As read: 1,41,42
